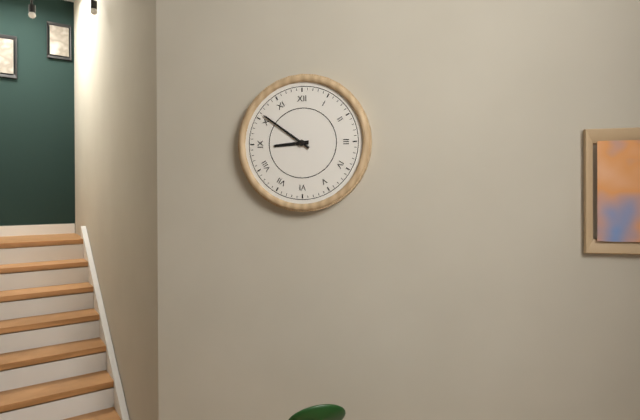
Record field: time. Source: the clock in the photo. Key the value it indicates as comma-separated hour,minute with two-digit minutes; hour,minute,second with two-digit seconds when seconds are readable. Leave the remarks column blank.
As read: 8,51
